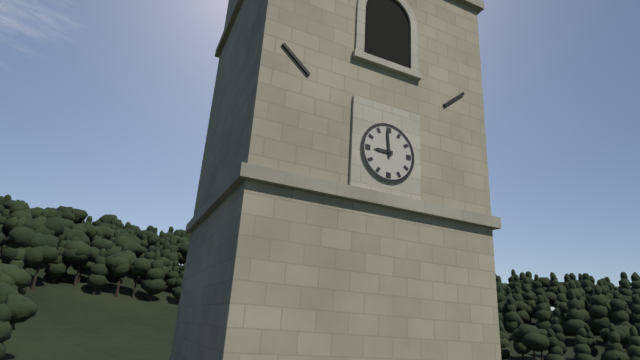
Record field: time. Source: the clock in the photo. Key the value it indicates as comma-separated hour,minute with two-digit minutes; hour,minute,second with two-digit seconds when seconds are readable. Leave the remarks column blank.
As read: 8,59
